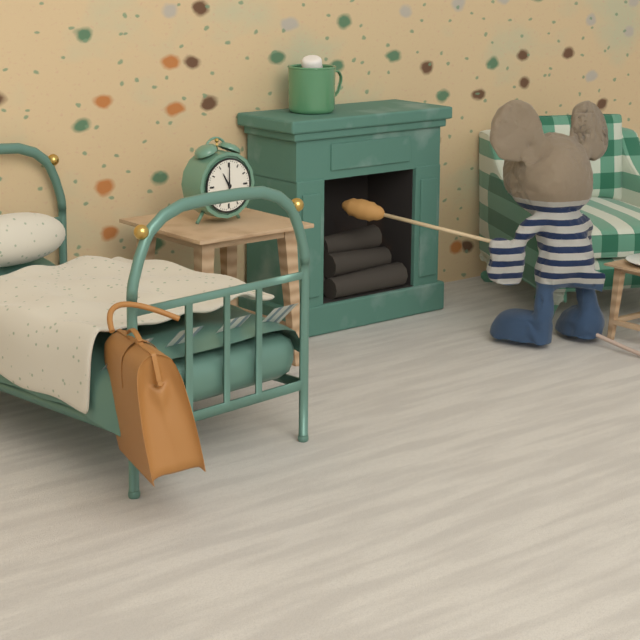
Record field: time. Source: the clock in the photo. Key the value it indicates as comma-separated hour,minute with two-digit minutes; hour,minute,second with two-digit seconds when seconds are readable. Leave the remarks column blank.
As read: 11,00
